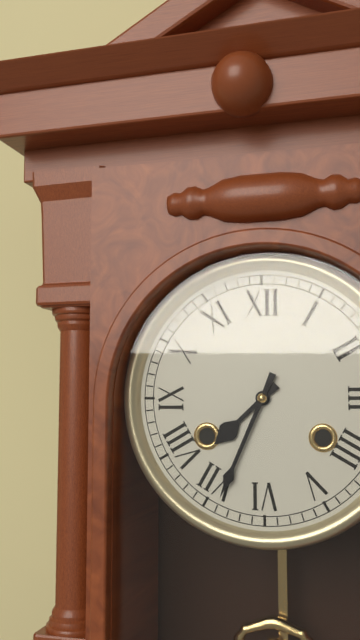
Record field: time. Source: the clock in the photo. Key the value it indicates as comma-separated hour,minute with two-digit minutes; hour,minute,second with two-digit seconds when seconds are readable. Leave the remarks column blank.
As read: 7,34
